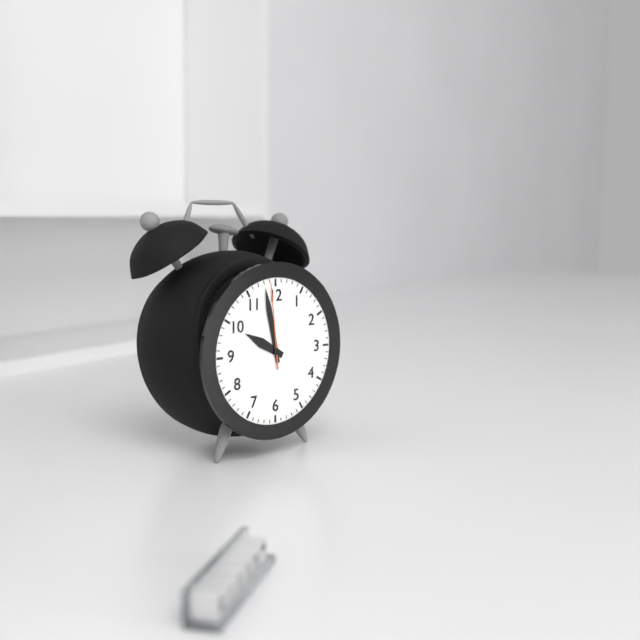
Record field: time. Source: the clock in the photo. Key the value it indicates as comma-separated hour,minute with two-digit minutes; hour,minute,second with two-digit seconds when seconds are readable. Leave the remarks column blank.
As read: 9,58,59
